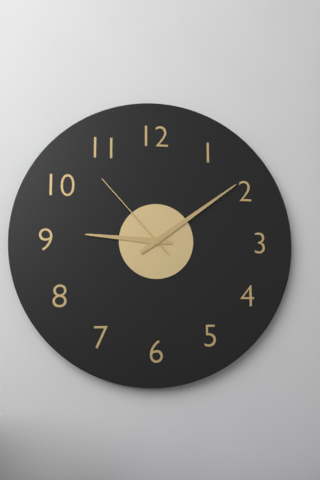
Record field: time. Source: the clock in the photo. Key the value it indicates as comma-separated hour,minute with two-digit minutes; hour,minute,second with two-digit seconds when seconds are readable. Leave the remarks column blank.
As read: 9,09,53
